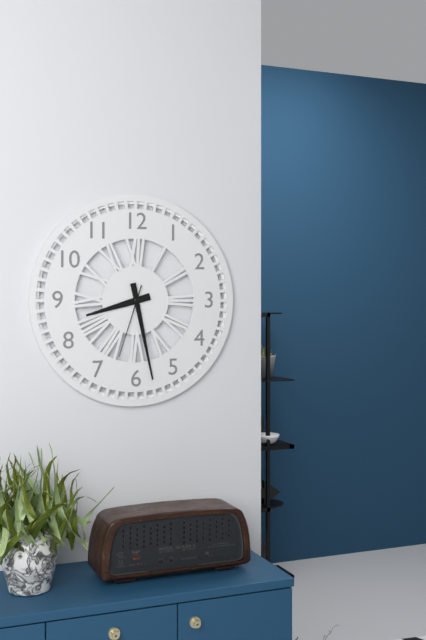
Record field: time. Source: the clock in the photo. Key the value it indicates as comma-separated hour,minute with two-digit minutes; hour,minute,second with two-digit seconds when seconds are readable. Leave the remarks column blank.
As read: 8,28,33
